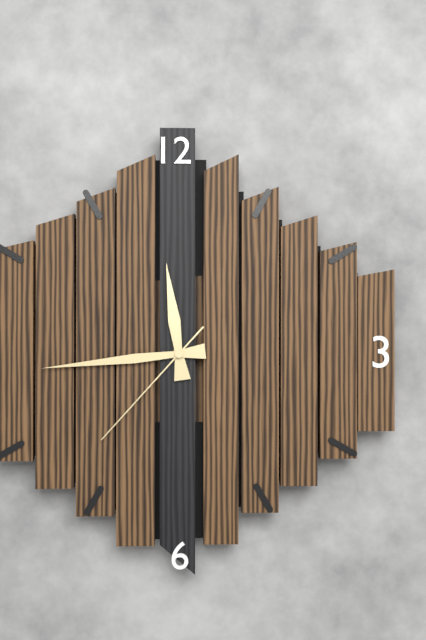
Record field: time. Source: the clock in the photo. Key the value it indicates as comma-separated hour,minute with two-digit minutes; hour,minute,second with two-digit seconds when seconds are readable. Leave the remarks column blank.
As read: 11,44,37
